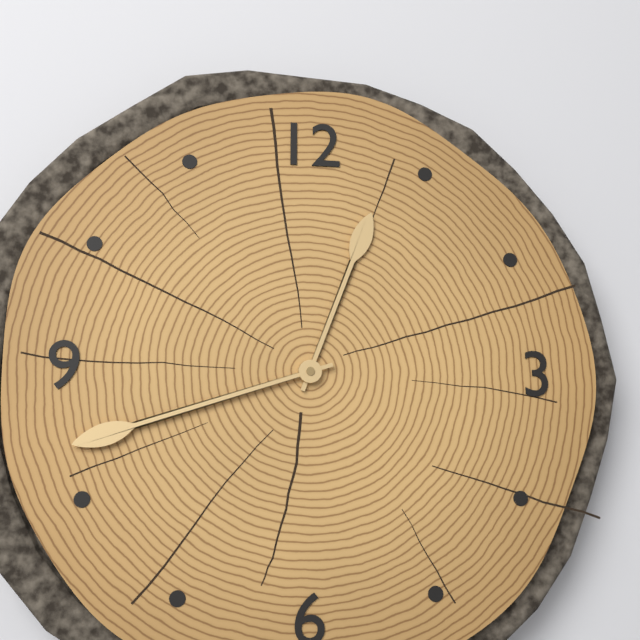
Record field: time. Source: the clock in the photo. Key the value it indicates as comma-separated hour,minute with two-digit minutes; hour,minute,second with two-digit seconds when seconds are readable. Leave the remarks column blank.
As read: 12,42
